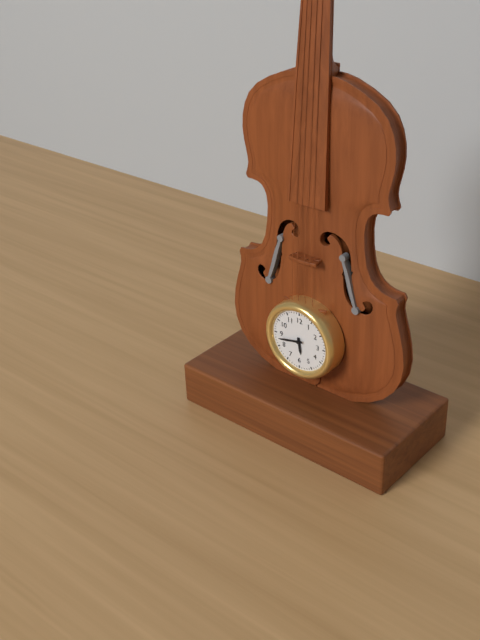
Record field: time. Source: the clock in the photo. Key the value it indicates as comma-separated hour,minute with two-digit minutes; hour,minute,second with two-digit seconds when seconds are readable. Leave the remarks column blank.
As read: 5,43
